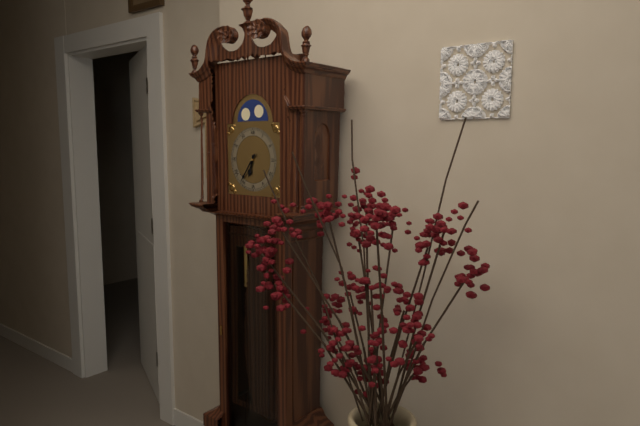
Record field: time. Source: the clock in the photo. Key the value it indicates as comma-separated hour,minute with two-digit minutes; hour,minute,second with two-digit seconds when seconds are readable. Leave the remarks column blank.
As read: 6,36
